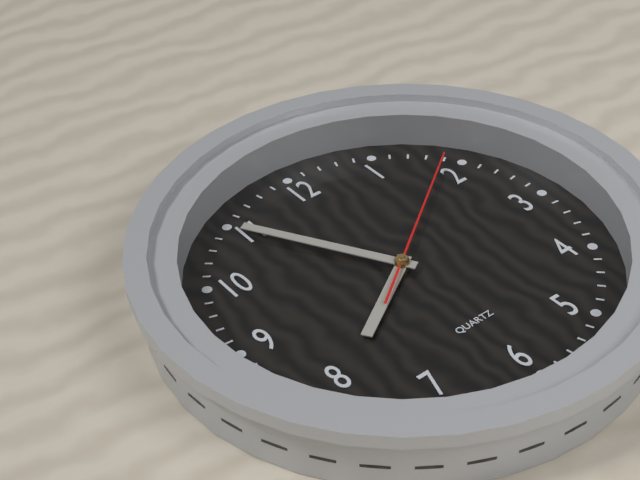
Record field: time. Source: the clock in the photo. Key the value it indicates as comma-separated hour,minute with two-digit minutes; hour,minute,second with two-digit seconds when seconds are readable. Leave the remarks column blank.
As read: 7,55,09
